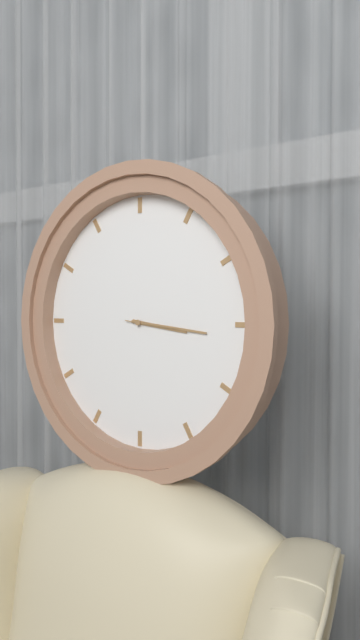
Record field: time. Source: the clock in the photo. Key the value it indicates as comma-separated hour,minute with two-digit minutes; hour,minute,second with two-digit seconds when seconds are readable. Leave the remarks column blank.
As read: 3,16
